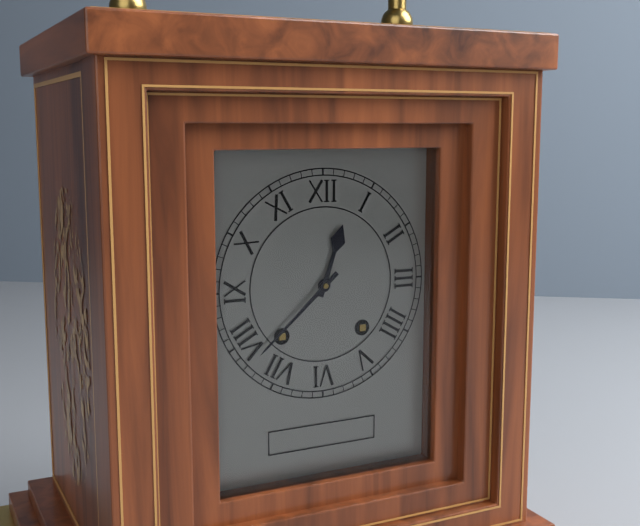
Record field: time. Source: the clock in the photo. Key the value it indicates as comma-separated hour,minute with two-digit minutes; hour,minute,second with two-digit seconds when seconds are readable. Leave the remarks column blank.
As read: 12,38
